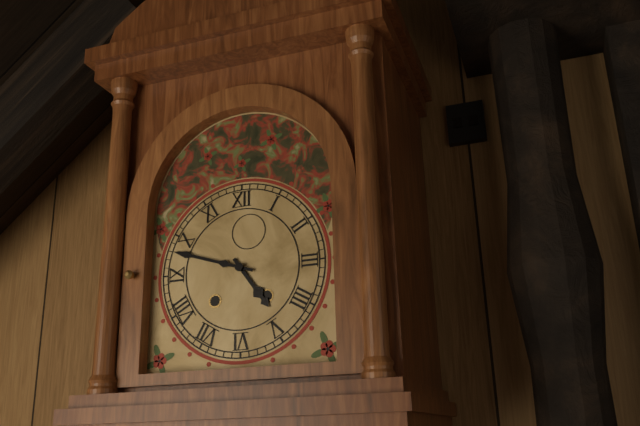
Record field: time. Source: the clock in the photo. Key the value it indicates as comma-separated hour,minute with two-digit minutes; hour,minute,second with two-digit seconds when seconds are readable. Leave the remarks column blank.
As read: 4,48
